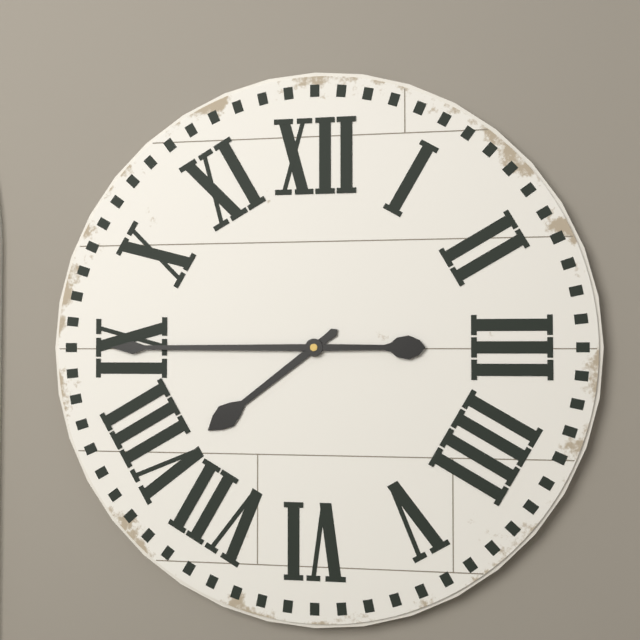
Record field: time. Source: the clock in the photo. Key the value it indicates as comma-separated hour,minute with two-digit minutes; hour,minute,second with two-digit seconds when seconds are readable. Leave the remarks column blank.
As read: 7,45
